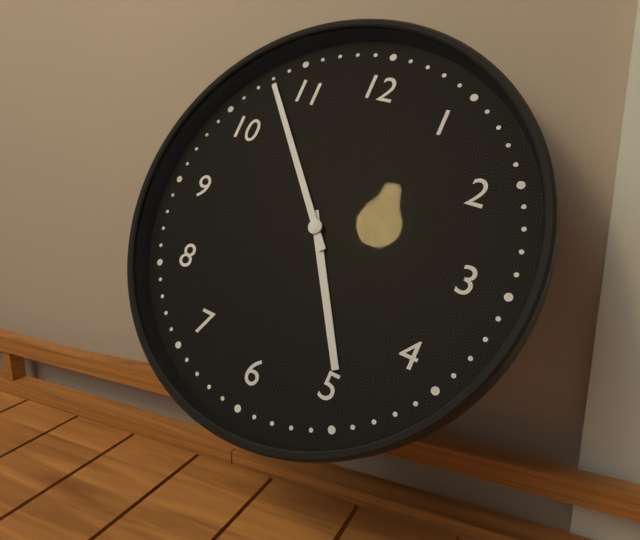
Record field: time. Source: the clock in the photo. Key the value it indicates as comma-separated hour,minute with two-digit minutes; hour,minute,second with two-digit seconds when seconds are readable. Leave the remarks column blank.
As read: 4,53
